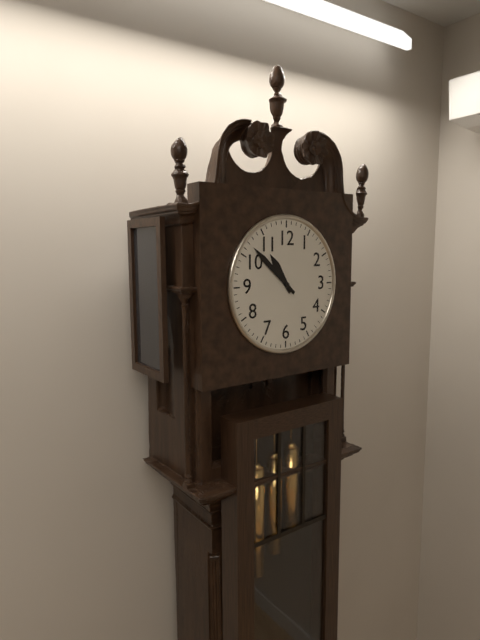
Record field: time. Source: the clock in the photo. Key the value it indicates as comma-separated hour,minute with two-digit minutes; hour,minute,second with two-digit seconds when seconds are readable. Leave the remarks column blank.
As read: 10,52
